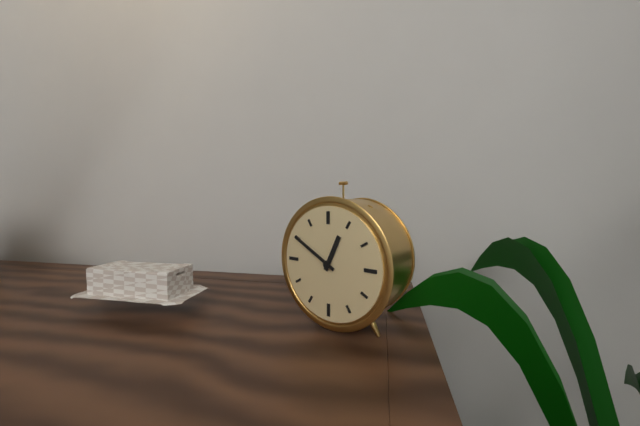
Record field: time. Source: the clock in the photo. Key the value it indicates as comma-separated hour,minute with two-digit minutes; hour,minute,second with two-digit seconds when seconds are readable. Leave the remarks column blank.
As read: 12,50
